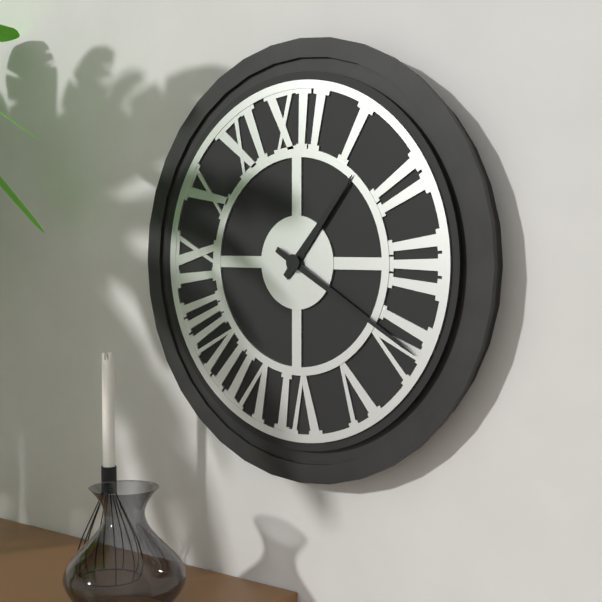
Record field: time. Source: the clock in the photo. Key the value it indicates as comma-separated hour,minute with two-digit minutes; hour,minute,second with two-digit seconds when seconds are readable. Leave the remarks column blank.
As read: 1,20
